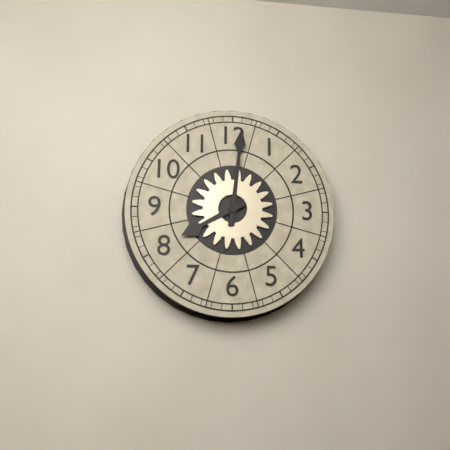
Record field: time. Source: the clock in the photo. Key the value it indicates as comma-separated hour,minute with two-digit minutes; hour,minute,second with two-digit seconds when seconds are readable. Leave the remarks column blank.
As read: 8,01
